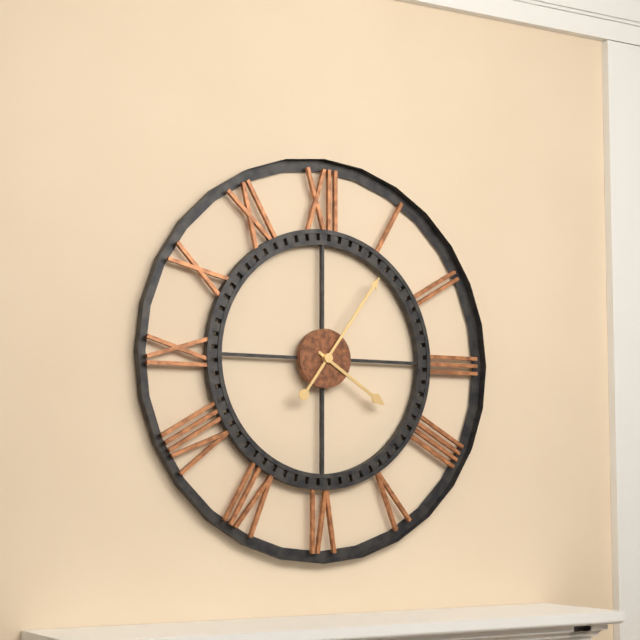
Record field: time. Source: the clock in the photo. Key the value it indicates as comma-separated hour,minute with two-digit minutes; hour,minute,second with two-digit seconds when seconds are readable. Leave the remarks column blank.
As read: 4,06
